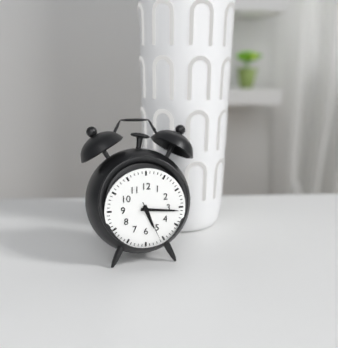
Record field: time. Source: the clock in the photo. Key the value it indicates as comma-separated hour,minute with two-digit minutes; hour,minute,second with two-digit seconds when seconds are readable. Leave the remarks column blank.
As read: 5,16
